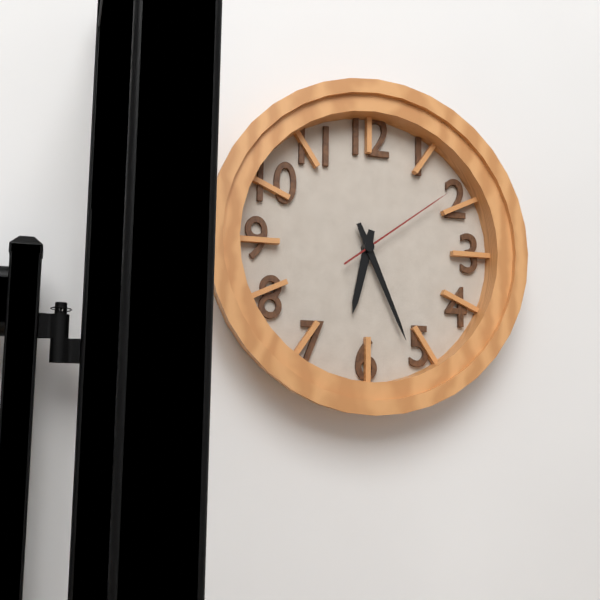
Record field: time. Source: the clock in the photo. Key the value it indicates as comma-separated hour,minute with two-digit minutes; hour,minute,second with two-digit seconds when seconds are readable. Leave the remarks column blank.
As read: 6,26,09
